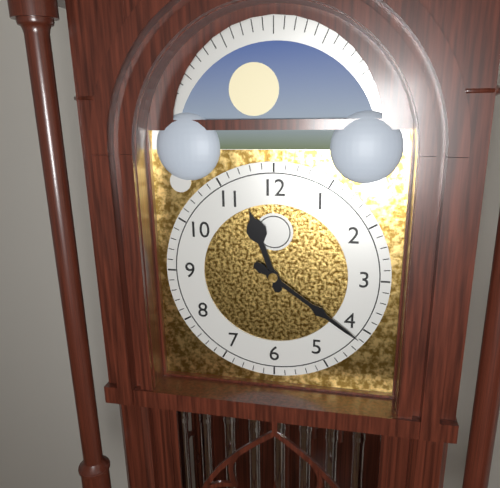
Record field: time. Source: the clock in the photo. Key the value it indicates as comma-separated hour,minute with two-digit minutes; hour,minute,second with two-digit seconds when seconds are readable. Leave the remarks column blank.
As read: 11,21
